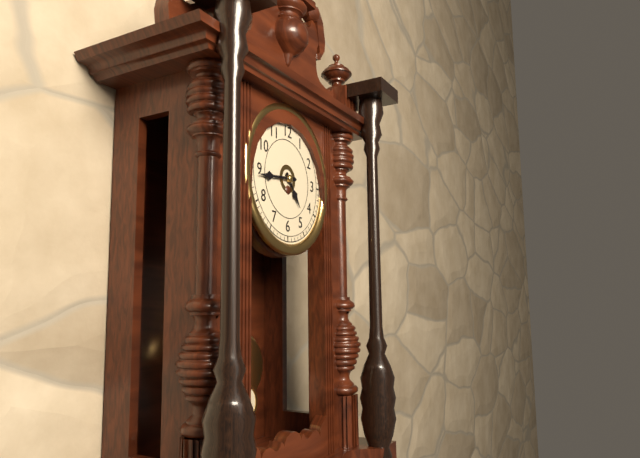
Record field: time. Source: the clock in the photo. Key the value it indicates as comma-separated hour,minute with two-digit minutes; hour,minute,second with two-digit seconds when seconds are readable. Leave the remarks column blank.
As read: 4,44
